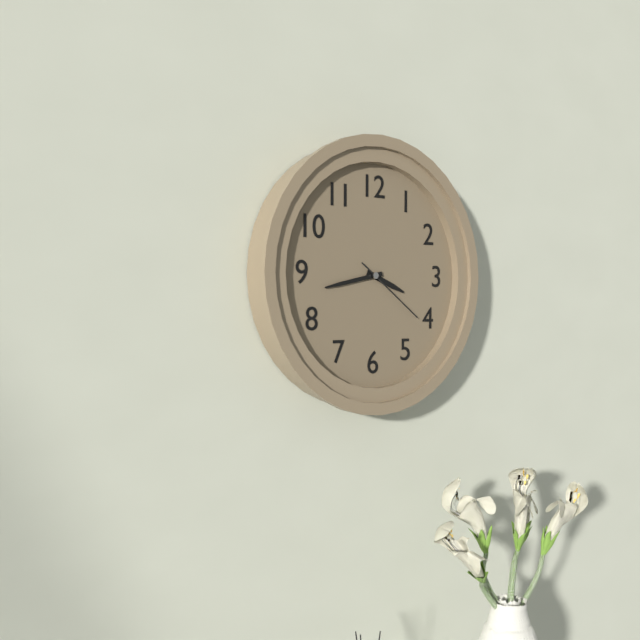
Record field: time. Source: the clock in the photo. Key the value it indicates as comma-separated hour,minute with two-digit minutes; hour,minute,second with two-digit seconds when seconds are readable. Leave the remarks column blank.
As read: 3,43,21
